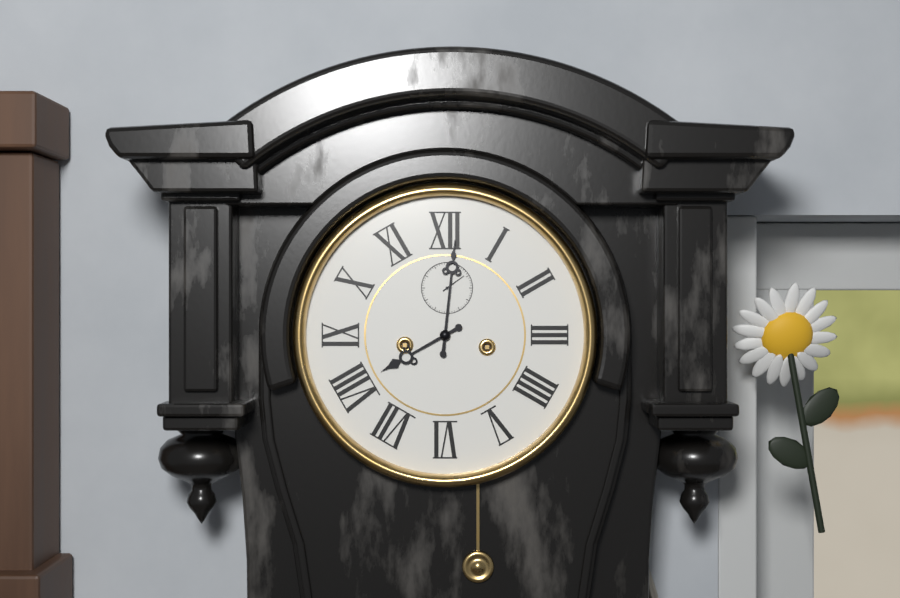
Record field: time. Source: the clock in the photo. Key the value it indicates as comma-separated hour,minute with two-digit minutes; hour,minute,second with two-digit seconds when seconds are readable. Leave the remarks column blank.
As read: 8,01
